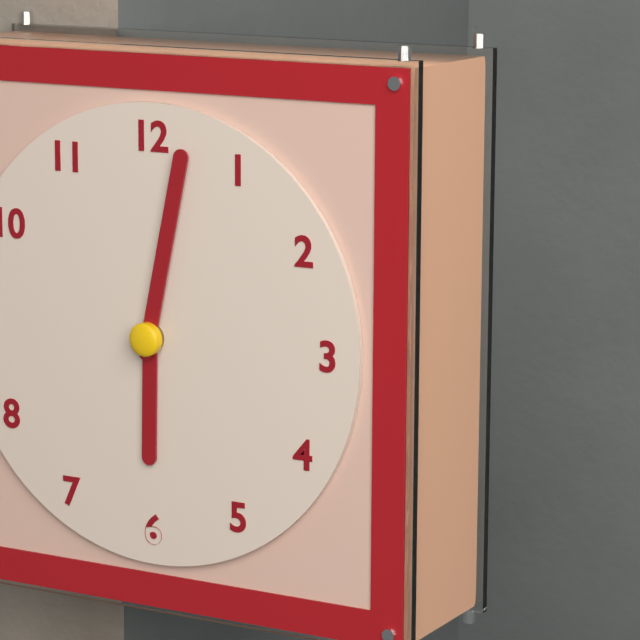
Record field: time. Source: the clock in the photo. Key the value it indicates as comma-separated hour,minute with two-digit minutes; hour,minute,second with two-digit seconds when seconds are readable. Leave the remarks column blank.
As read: 6,02
